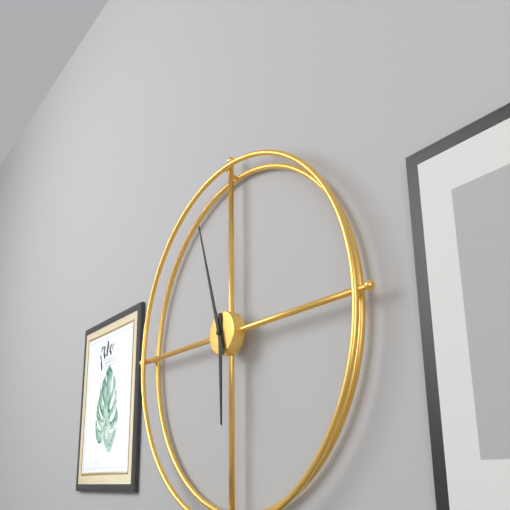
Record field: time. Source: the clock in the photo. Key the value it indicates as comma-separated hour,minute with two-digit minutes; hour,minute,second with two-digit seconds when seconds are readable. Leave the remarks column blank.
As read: 5,57
